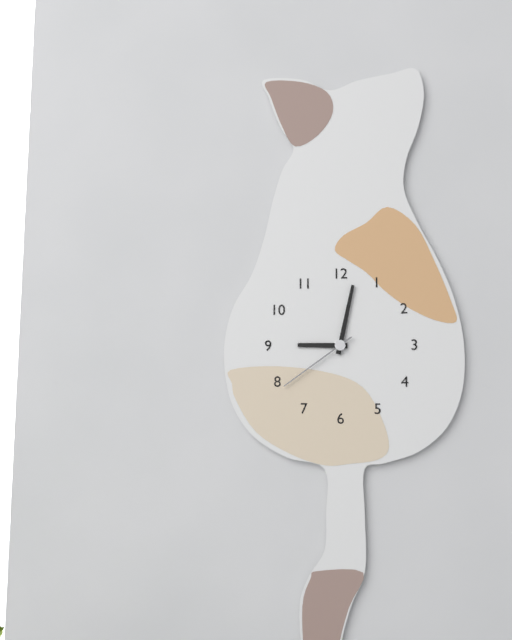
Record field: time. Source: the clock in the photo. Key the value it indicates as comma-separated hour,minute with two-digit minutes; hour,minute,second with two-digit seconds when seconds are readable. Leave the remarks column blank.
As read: 9,02,39
